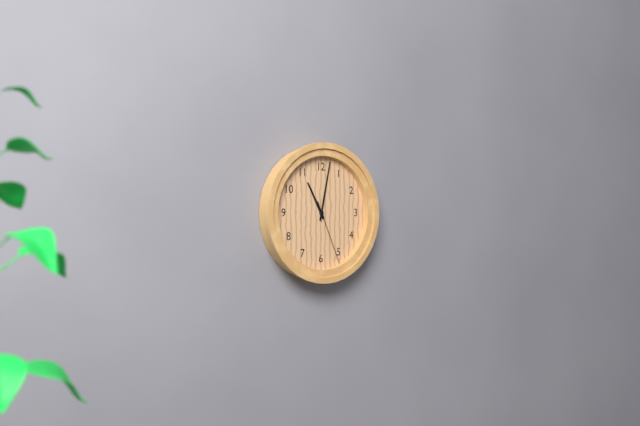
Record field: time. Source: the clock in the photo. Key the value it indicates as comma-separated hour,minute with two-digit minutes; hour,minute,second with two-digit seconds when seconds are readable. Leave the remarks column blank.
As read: 11,02,26
